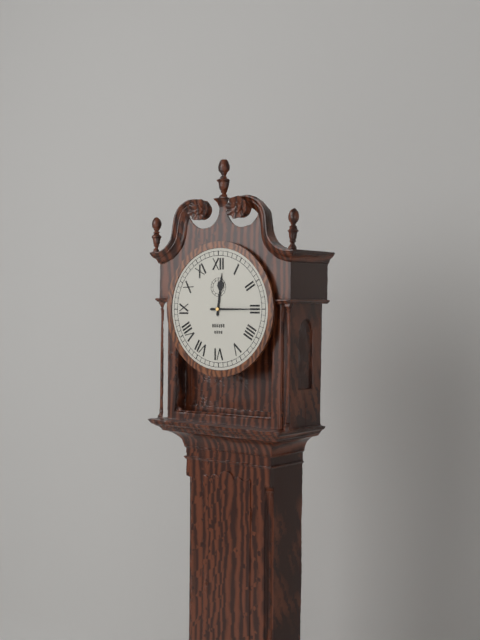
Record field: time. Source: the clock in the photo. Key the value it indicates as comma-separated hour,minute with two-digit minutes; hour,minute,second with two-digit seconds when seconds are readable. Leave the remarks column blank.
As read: 12,15
